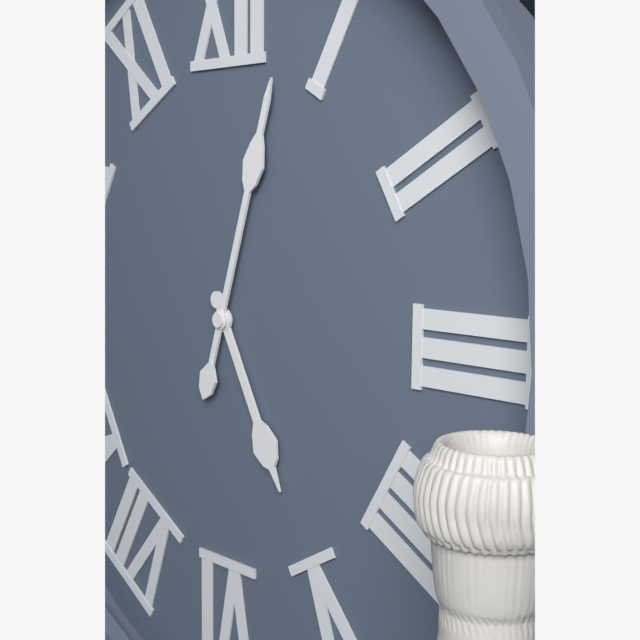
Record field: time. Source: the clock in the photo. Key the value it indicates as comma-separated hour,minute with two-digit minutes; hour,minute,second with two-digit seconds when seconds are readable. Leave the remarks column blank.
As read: 5,03
